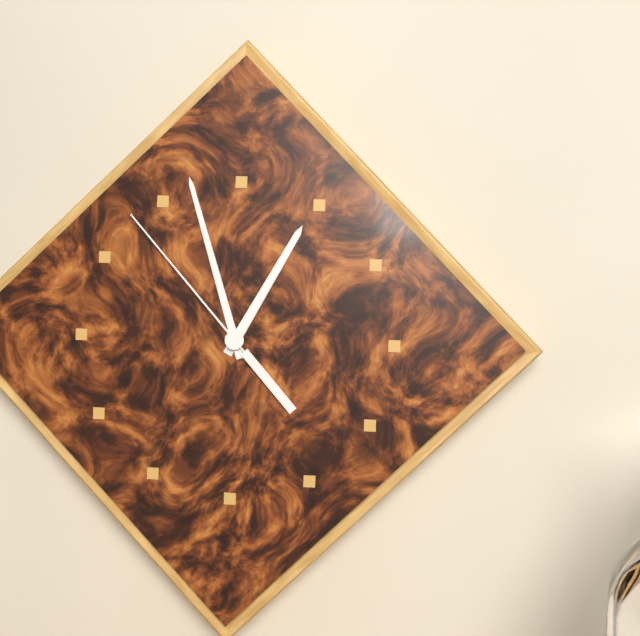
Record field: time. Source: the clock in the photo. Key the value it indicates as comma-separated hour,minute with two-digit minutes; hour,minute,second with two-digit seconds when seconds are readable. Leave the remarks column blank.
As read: 12,57,53
